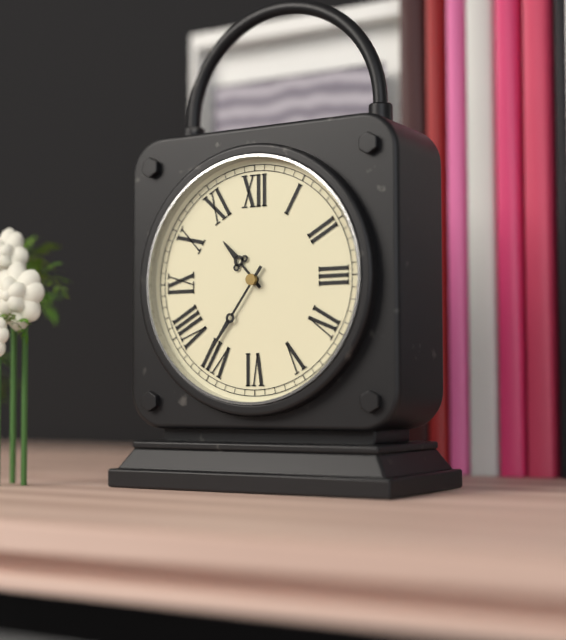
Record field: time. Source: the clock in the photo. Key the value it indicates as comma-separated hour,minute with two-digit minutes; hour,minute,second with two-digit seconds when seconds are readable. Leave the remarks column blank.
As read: 10,36
